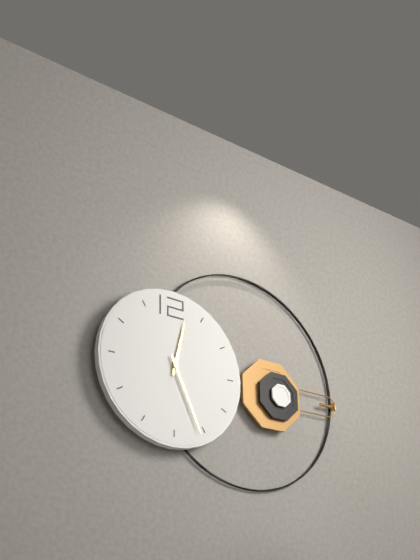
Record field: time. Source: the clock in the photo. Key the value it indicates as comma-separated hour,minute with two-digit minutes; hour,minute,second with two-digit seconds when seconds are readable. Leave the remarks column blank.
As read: 12,26
